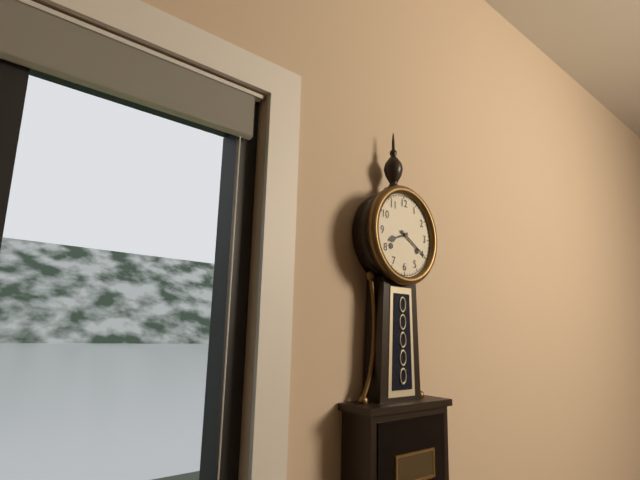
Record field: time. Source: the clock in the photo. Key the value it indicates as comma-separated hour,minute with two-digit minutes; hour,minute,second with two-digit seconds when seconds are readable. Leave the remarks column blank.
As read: 8,20
